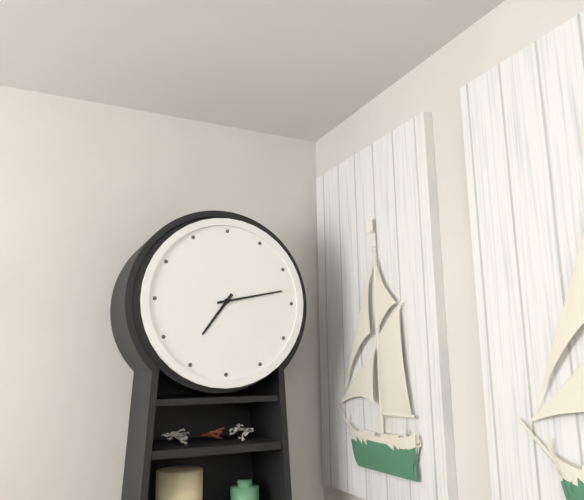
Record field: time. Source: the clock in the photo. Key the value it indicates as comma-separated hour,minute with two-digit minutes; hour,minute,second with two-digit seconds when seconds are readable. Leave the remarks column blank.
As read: 7,13
